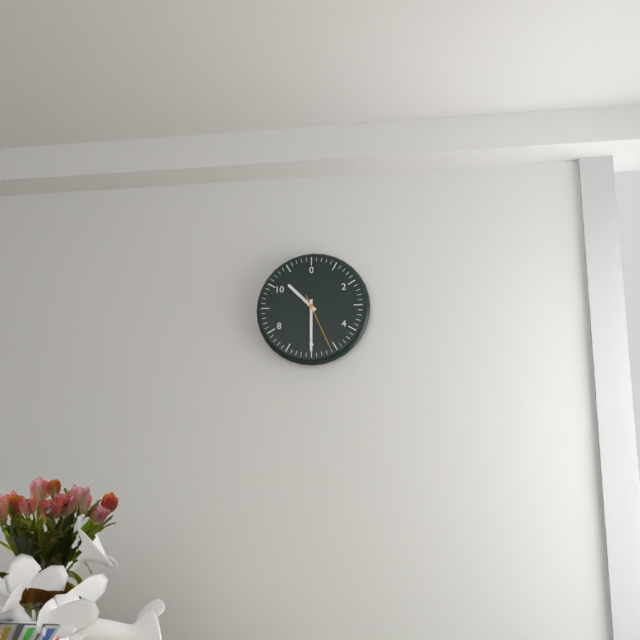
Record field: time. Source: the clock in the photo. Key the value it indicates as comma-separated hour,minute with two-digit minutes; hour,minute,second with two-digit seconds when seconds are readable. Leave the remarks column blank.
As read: 10,30,26
